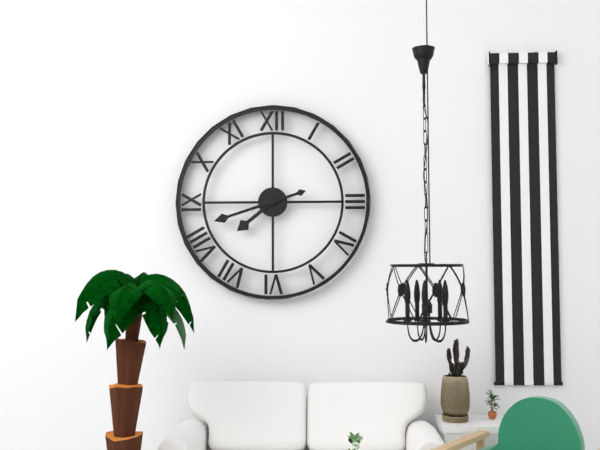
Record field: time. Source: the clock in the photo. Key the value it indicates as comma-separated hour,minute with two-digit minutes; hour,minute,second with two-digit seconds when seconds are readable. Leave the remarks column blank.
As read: 7,42
